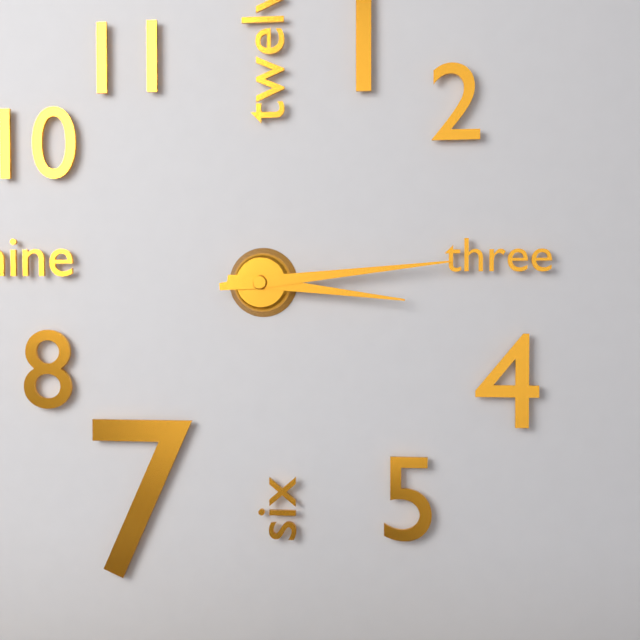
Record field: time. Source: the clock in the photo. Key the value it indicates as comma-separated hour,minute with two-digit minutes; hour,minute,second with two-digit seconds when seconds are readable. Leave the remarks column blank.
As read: 3,14
